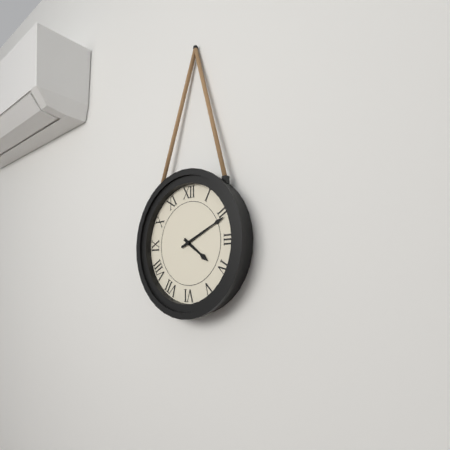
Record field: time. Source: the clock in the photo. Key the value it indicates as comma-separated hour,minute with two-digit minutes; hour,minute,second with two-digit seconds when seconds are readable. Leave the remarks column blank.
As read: 4,11
